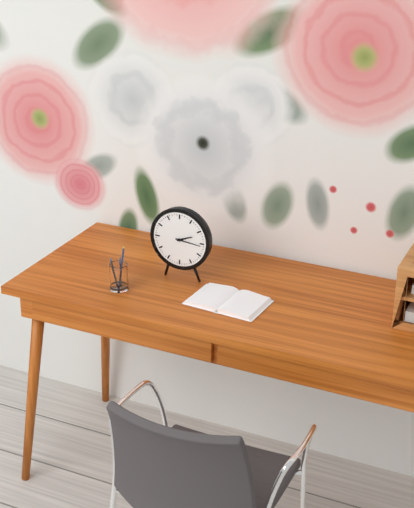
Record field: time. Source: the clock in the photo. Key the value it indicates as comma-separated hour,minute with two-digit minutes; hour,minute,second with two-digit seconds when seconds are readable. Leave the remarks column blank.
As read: 2,16
